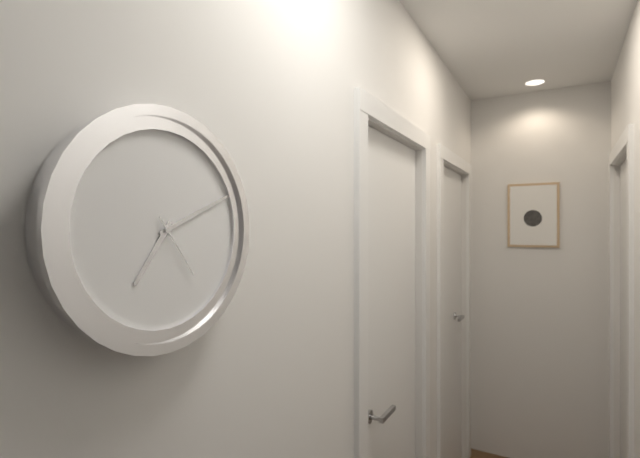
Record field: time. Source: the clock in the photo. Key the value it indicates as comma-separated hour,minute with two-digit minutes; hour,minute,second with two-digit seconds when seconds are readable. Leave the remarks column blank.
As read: 7,11,24
